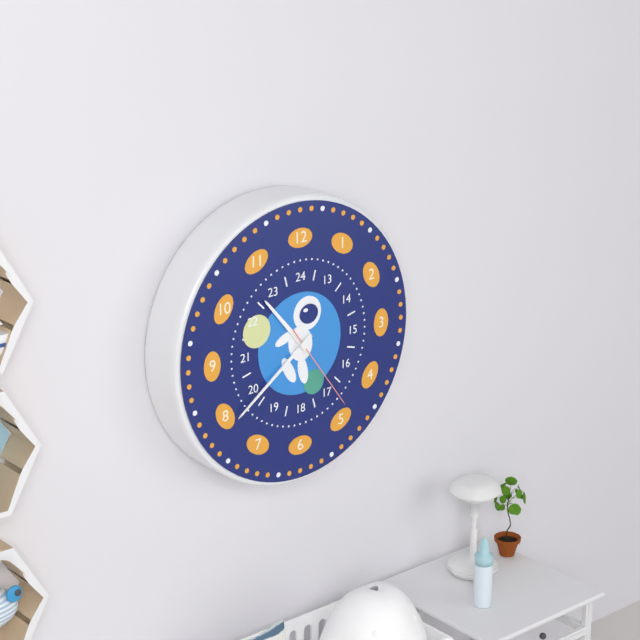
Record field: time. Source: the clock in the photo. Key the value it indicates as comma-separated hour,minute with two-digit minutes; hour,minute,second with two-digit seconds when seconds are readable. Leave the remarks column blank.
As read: 10,39,24
